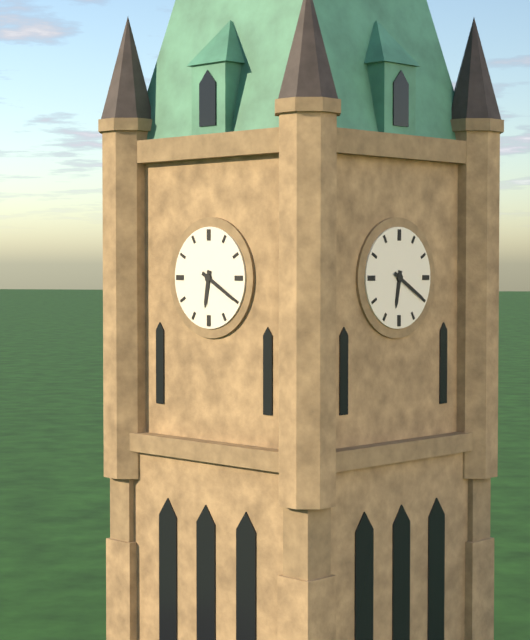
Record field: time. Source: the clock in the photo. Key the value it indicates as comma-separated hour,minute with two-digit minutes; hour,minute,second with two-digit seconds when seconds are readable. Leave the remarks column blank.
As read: 6,20
